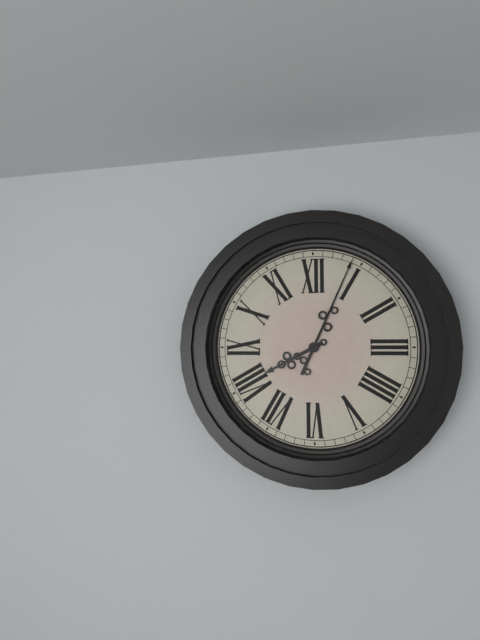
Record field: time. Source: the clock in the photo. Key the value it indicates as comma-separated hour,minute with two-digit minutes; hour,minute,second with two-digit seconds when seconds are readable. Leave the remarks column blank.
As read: 8,04
